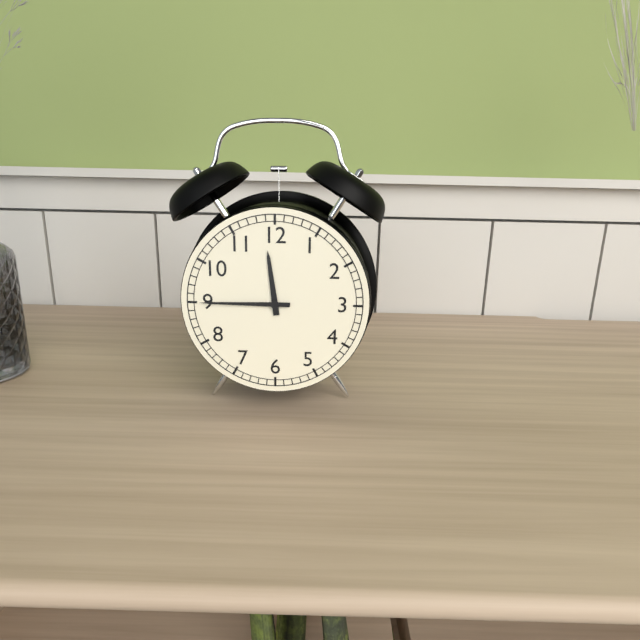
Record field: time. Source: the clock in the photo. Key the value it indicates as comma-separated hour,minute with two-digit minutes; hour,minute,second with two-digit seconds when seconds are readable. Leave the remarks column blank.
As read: 11,45
